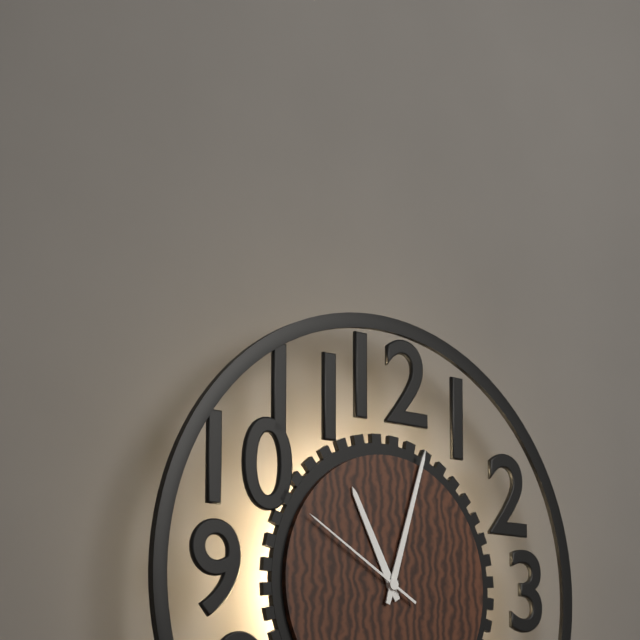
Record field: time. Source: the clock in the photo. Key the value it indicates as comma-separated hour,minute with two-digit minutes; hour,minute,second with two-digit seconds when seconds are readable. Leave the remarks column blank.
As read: 11,03,50
